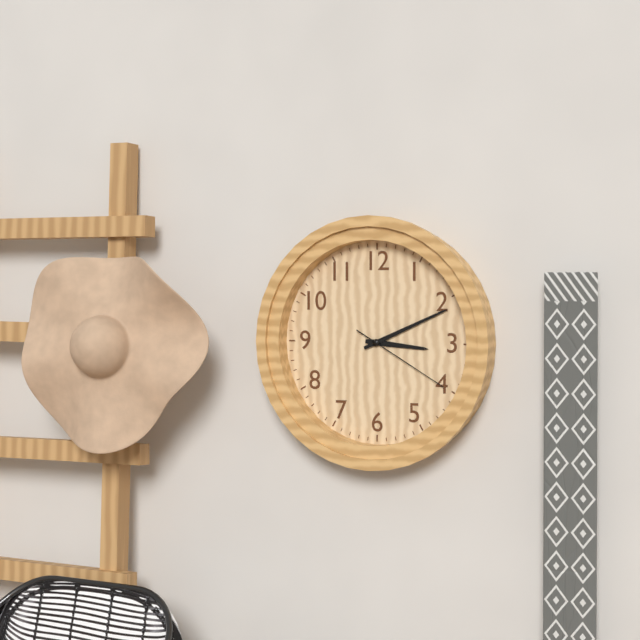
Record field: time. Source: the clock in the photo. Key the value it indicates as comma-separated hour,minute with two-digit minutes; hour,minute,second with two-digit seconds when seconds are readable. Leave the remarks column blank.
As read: 3,11,20
